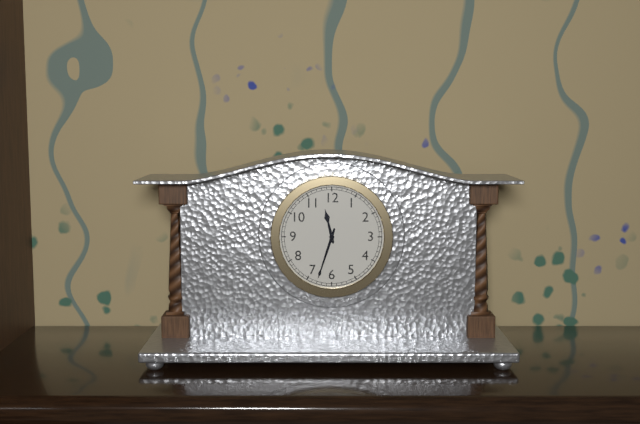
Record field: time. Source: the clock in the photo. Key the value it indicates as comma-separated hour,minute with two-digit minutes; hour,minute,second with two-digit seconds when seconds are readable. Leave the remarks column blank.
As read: 11,33
